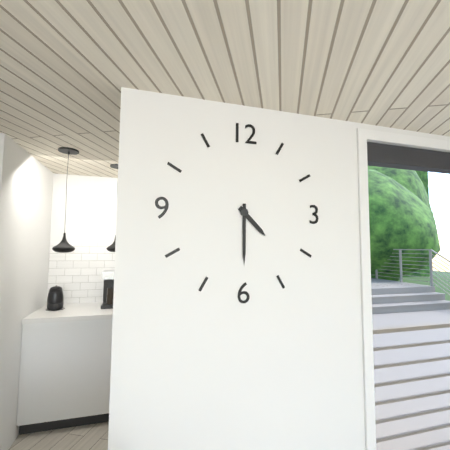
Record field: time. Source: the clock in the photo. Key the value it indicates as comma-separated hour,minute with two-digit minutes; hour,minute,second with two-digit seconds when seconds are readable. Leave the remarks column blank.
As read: 4,30
